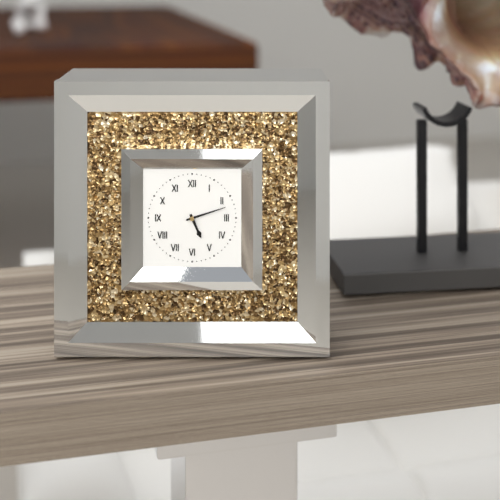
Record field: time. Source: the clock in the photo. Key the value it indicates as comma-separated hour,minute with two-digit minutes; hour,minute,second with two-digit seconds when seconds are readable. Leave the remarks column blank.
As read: 5,12
